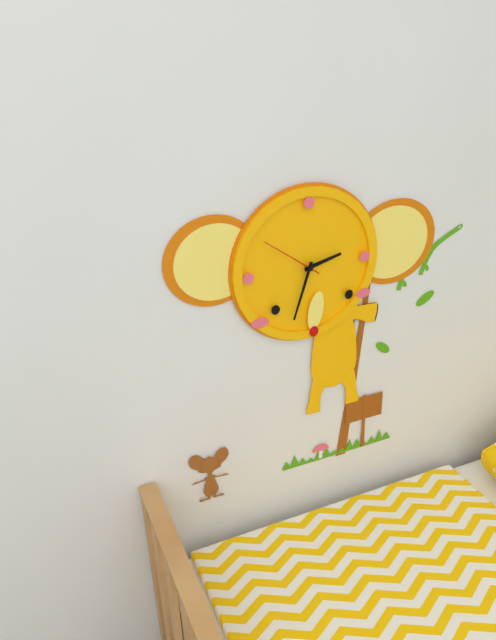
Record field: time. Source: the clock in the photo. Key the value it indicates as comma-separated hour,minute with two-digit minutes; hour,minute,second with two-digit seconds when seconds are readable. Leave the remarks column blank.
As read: 2,33,51
